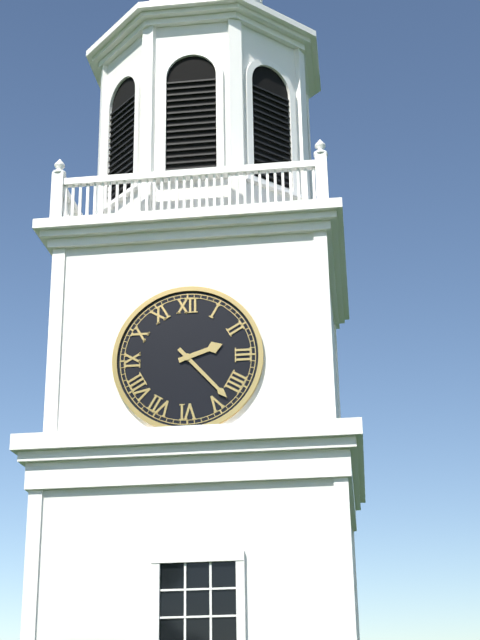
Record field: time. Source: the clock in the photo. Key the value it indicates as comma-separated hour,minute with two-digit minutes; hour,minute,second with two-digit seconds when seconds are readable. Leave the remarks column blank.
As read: 2,23
